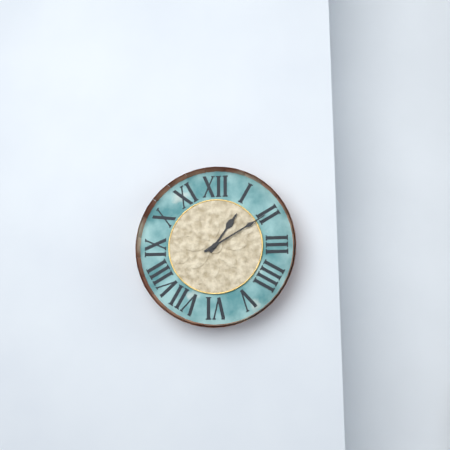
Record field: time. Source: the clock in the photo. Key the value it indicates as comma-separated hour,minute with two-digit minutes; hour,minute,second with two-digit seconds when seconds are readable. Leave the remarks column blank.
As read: 1,10
